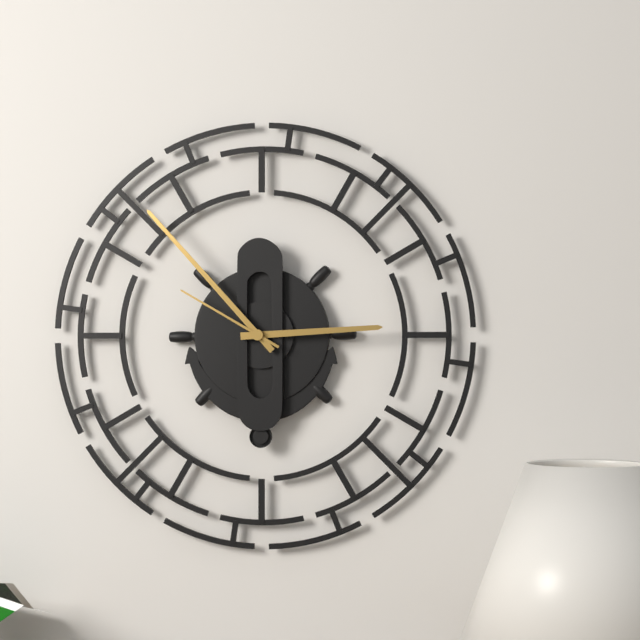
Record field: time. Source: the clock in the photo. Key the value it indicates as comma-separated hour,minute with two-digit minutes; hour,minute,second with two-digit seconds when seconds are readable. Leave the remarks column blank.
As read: 2,53,50
